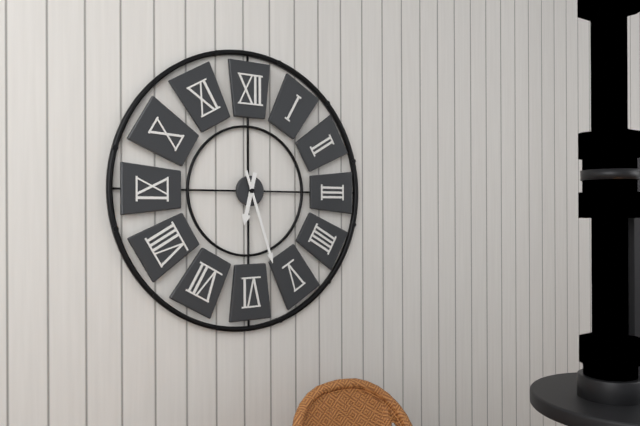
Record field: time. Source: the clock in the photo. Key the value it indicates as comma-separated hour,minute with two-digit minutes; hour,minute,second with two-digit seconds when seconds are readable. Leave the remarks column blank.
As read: 6,27
